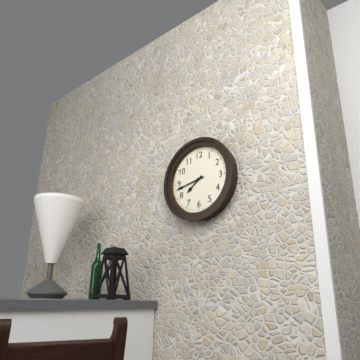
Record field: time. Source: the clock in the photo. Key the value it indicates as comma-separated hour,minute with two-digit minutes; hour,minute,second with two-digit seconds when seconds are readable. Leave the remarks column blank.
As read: 7,43
